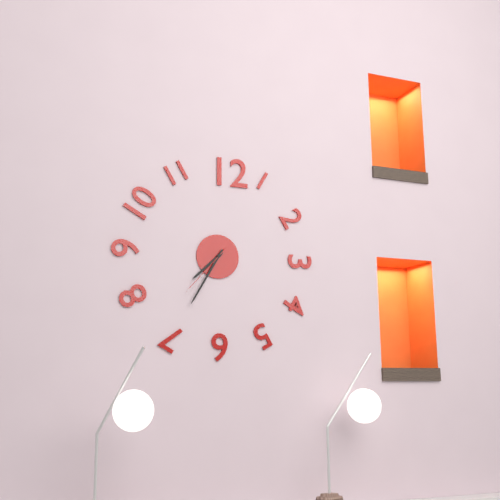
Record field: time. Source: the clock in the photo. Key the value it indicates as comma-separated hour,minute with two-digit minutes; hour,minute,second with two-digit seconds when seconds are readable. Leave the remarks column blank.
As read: 7,35,37
